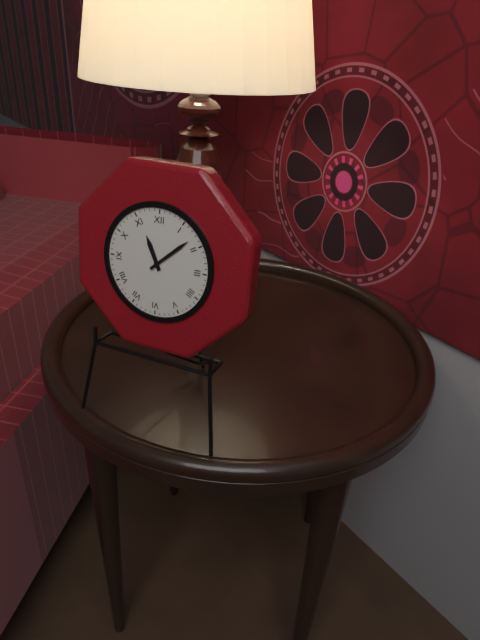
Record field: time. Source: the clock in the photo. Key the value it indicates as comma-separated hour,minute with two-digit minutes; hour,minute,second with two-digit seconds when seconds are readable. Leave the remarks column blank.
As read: 11,08
